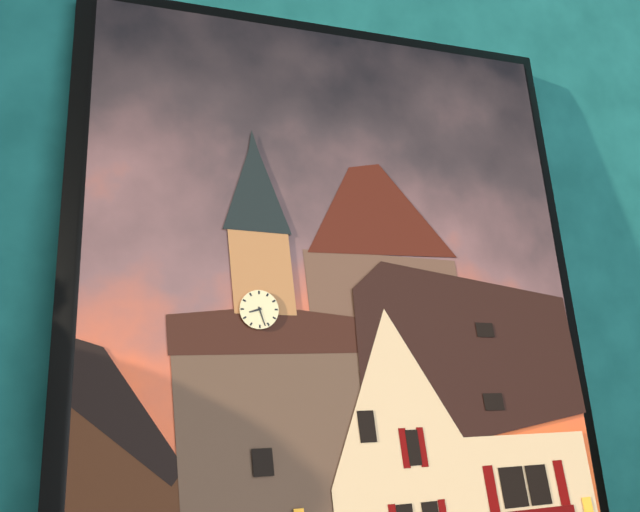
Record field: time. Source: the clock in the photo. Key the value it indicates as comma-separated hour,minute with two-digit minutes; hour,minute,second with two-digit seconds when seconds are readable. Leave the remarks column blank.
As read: 8,27
